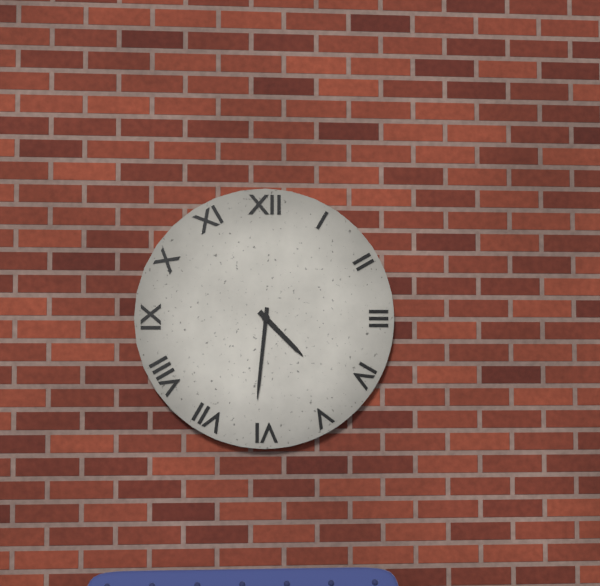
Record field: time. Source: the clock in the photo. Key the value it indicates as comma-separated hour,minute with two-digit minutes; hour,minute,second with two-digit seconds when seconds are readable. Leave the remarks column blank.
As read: 4,31
